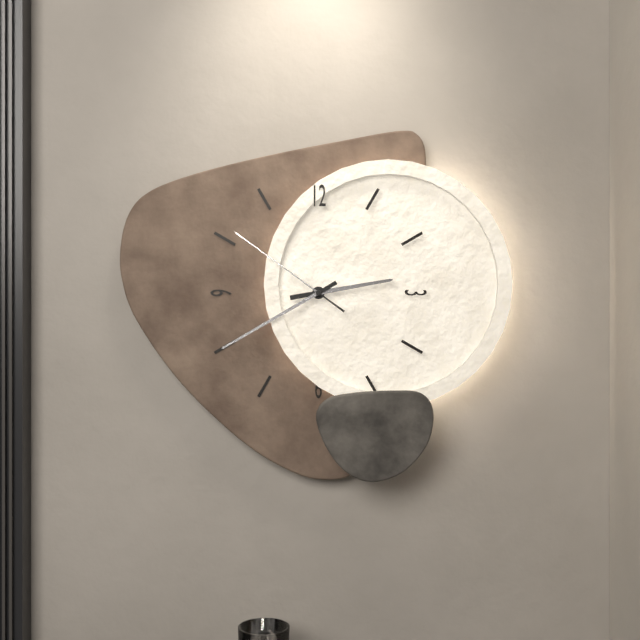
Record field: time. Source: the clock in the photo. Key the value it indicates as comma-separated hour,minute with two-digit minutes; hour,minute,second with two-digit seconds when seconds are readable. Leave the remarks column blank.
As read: 2,40,51
